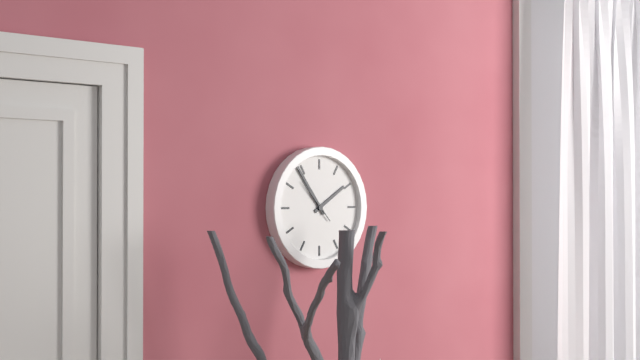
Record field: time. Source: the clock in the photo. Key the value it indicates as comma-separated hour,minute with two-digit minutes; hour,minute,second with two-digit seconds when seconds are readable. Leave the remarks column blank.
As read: 1,54
